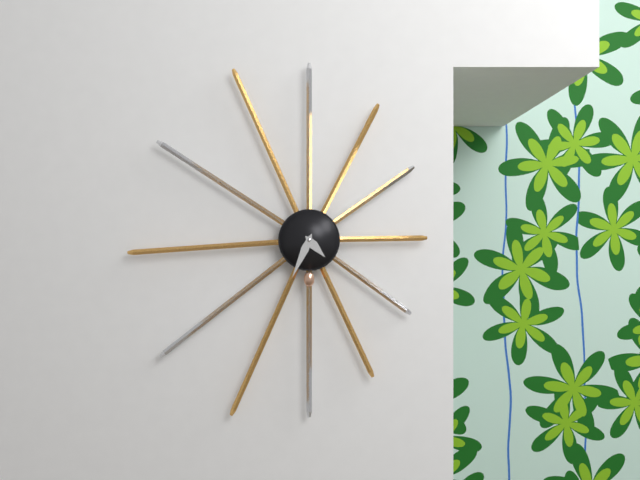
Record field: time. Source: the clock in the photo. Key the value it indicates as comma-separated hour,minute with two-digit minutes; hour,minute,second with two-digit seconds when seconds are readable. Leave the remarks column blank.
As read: 4,34
